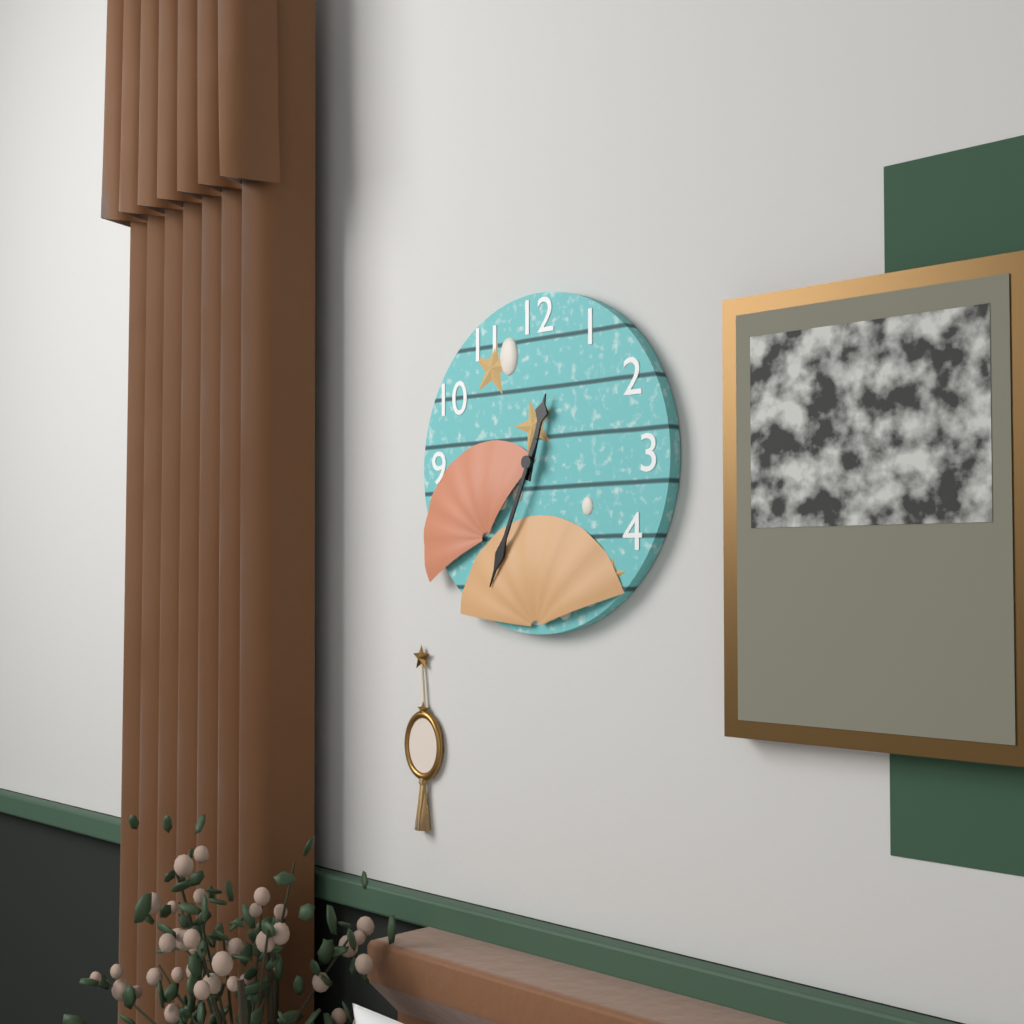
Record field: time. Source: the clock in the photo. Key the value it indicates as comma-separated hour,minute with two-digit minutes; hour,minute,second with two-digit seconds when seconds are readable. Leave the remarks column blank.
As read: 12,34
